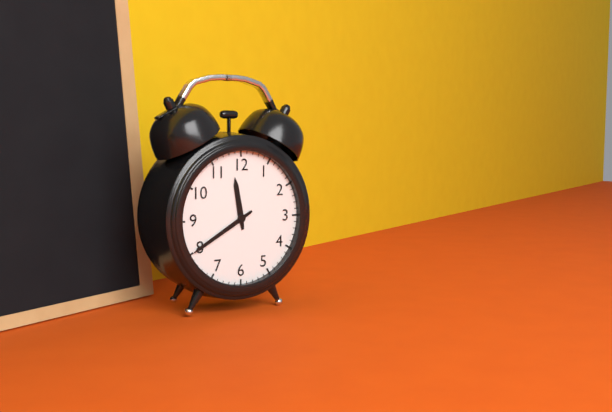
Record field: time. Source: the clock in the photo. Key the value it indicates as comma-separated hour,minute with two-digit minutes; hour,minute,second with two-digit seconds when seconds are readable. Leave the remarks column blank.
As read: 11,40
